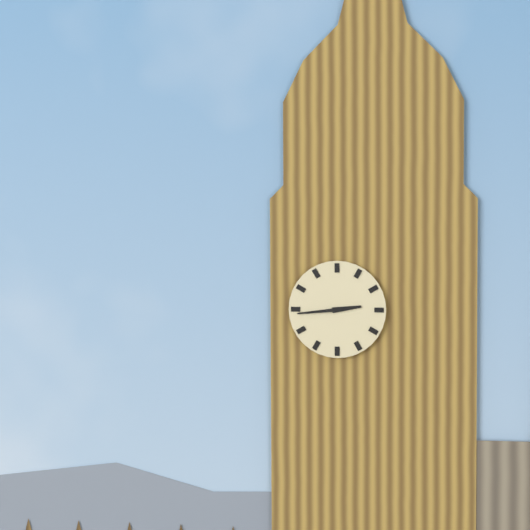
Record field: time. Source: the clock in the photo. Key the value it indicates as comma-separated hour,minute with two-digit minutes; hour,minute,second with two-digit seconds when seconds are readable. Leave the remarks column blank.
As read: 2,44
